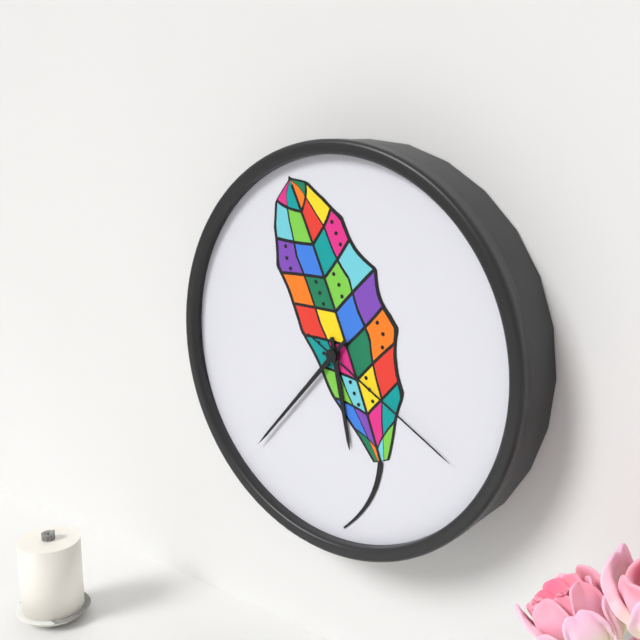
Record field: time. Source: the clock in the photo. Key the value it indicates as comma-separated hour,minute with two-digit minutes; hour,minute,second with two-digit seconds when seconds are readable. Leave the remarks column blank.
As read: 5,37,20
